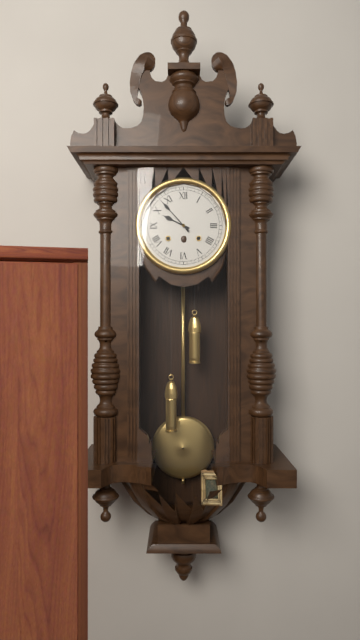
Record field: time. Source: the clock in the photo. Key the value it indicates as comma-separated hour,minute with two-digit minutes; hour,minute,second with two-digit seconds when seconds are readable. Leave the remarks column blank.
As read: 9,53
